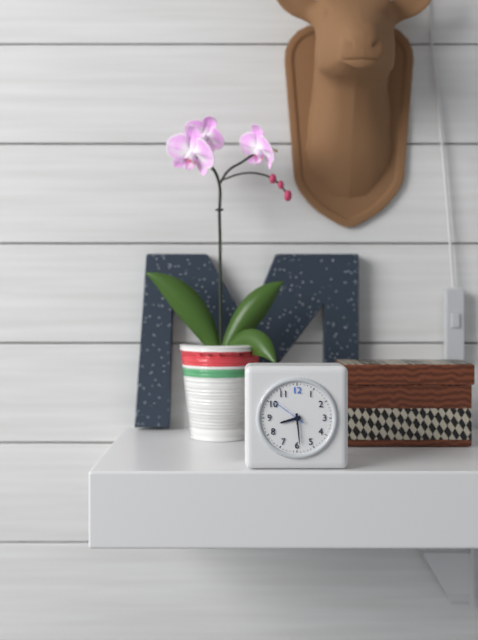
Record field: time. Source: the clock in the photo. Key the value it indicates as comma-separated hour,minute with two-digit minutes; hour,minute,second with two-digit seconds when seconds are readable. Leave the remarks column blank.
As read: 8,29
